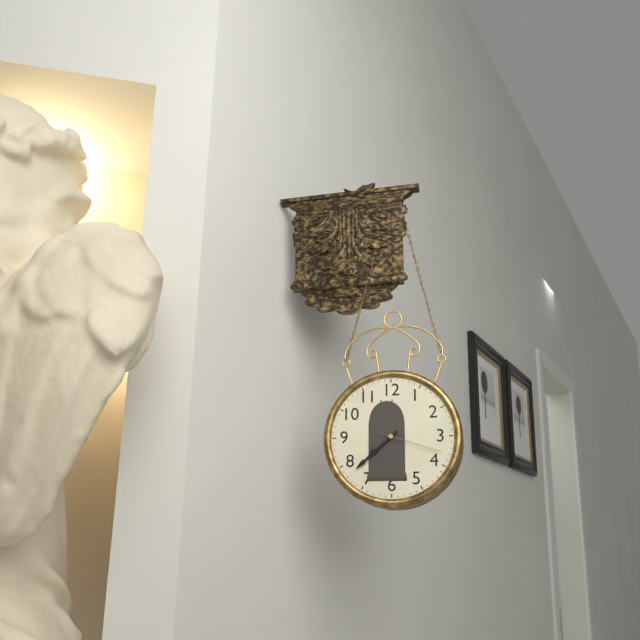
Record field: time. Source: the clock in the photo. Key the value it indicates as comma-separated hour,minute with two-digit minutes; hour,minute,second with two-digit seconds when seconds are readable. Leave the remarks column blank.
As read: 7,38,18
